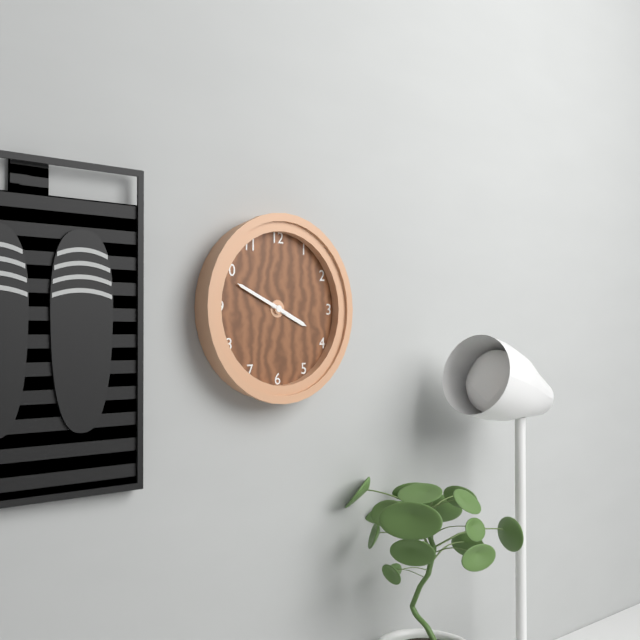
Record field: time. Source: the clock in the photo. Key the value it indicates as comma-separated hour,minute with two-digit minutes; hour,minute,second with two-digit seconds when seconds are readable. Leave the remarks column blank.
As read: 3,49
